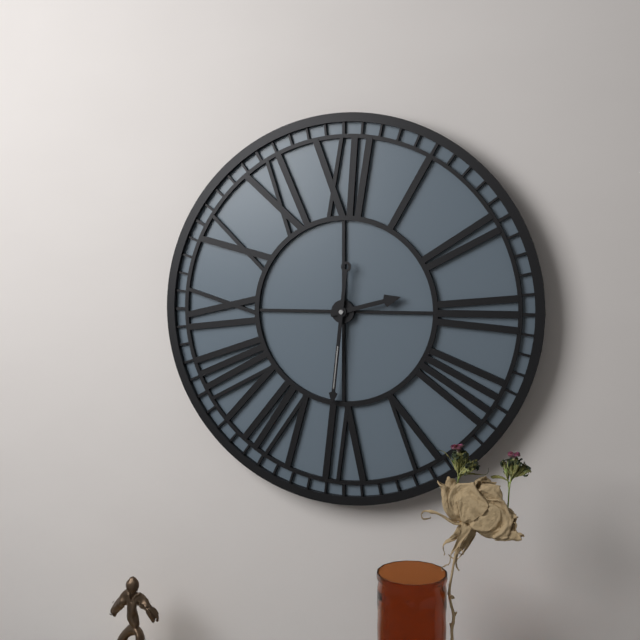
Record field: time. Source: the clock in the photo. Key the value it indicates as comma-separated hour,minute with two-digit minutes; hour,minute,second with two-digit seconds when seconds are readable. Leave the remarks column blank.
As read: 2,31
